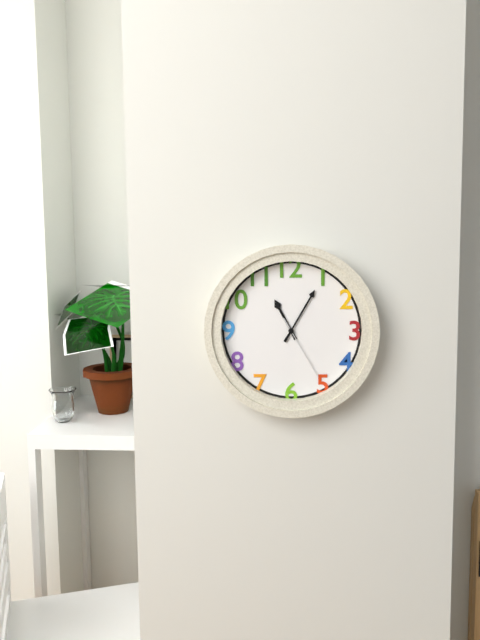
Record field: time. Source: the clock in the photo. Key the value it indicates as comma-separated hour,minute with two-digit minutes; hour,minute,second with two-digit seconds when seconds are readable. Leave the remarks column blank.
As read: 11,05,25
